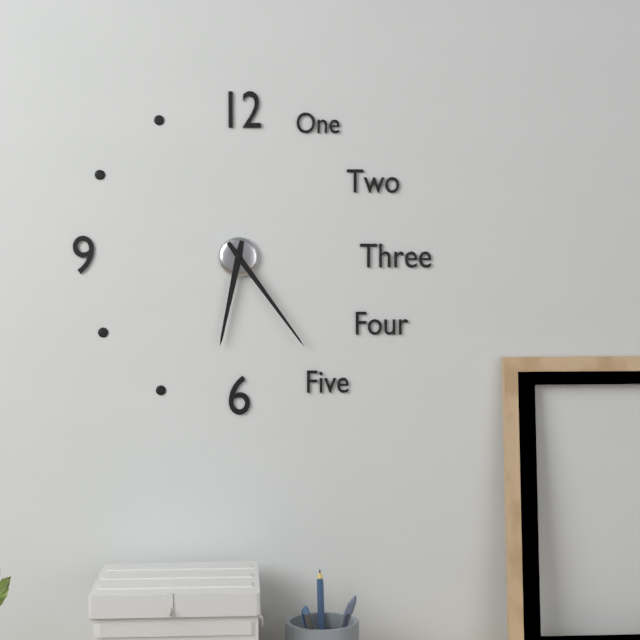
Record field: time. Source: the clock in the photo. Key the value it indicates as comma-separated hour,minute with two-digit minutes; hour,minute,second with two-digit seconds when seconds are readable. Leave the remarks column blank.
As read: 6,24
